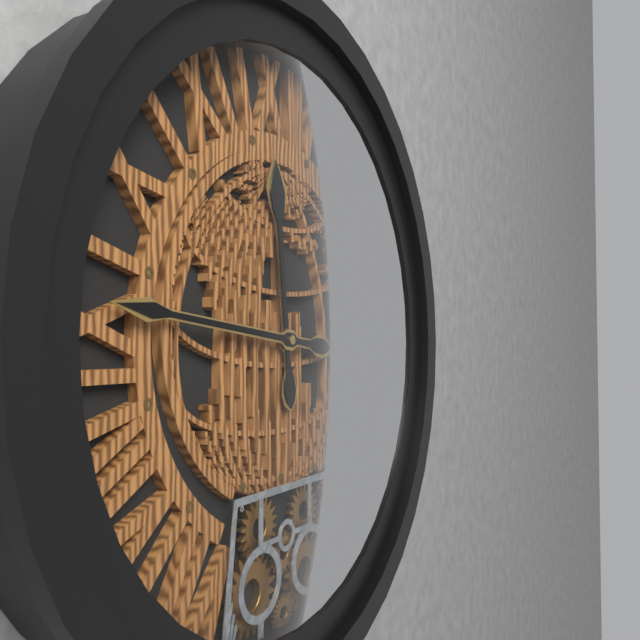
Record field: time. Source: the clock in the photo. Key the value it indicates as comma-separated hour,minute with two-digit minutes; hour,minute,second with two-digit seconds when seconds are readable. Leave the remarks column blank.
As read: 11,46
